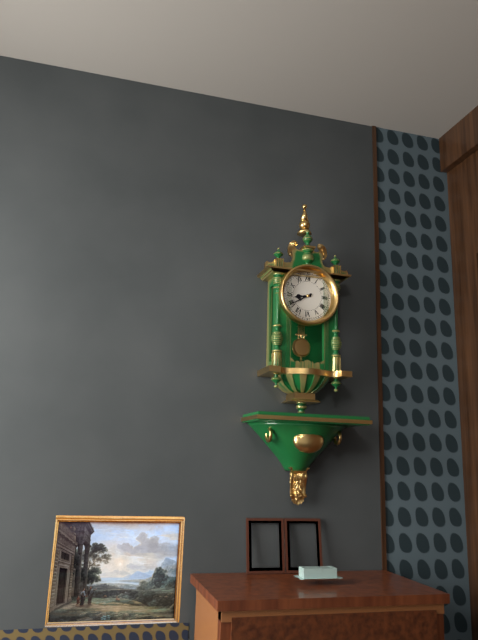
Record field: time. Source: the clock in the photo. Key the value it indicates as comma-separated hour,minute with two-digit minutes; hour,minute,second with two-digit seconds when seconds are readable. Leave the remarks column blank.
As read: 8,40
